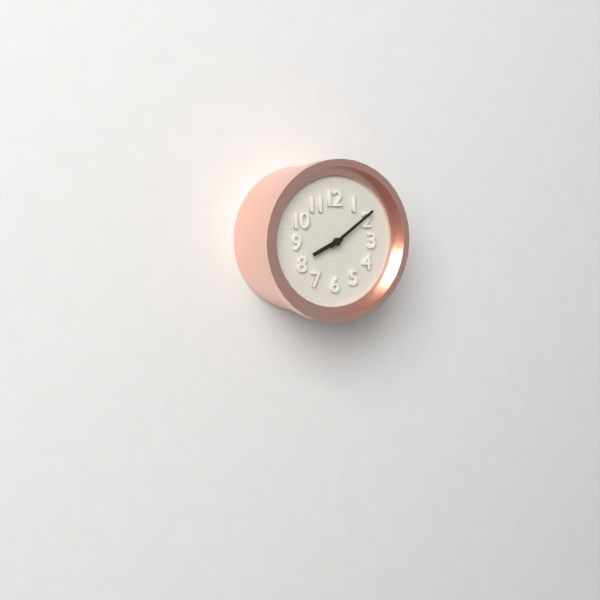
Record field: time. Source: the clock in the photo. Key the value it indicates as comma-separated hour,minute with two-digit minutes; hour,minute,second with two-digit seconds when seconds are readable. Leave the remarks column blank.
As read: 8,09
